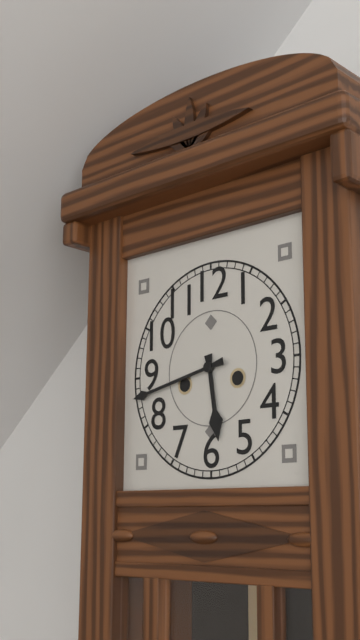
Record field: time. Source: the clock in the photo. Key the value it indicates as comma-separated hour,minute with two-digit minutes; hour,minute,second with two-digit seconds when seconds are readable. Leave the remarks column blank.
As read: 5,43
